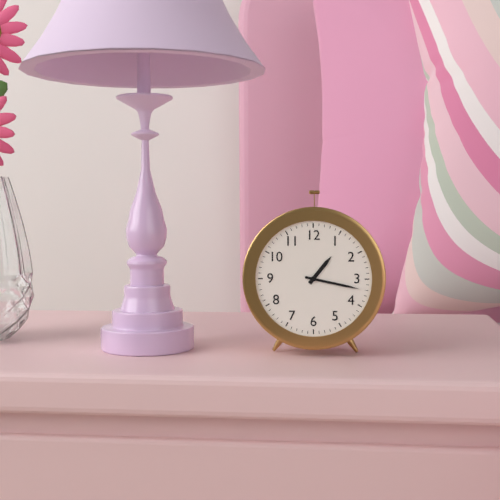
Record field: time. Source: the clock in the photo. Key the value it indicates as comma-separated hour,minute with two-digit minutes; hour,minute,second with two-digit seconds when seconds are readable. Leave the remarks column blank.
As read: 1,17
